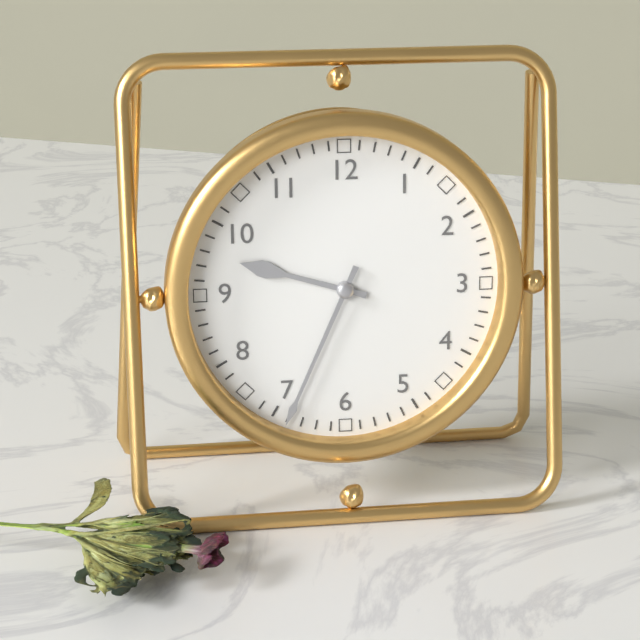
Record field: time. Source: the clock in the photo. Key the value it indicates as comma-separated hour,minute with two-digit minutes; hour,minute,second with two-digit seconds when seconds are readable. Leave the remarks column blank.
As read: 9,34
